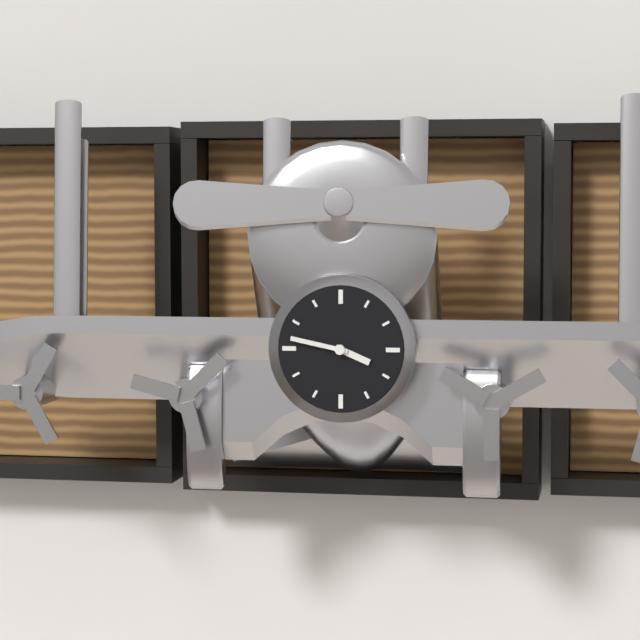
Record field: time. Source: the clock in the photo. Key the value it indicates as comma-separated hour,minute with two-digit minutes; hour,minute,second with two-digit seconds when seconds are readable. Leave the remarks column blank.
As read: 3,47
